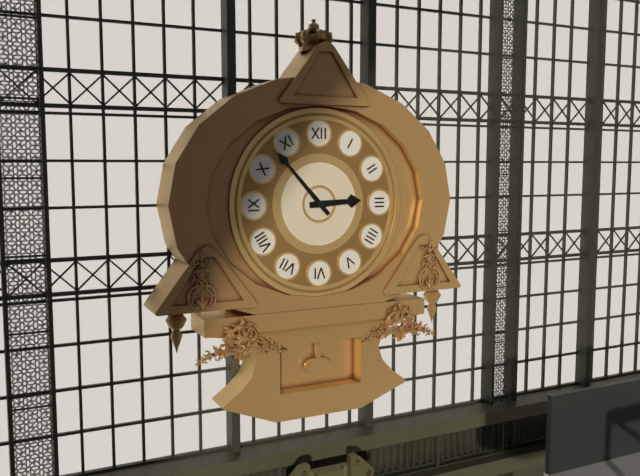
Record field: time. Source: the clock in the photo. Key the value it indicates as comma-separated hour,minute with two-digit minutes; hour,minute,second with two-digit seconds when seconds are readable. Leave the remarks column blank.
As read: 2,53
